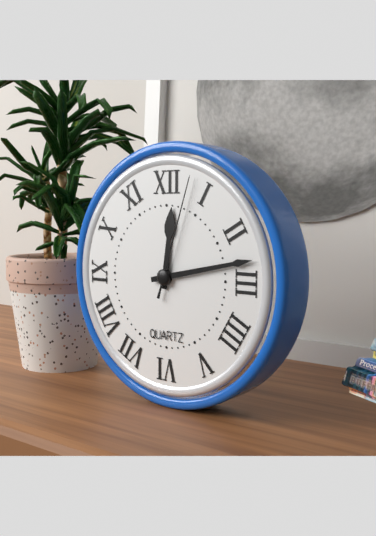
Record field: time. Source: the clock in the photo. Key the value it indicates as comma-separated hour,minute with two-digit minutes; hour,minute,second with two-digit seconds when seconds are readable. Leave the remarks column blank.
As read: 12,13,03
